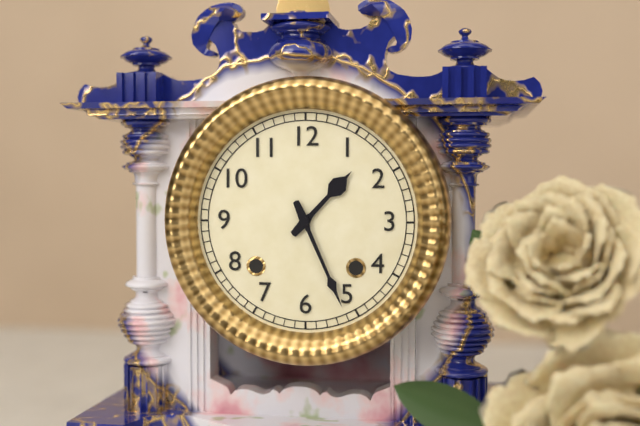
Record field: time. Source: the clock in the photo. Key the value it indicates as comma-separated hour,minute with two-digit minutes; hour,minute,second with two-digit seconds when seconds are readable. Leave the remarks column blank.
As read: 1,26
